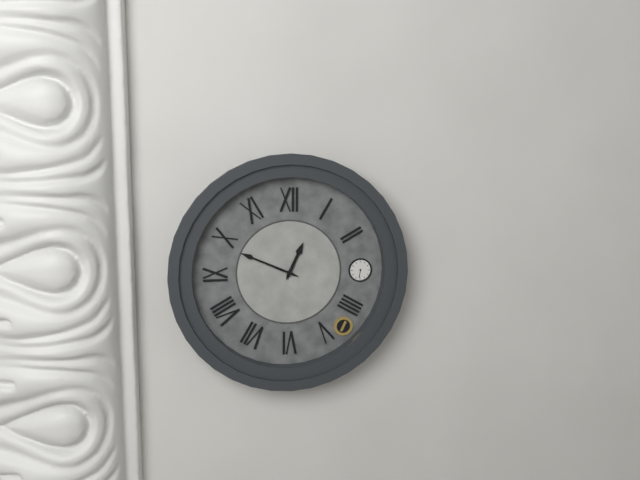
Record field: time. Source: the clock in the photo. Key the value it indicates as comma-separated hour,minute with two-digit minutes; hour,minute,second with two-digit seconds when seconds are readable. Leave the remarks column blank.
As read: 12,49
